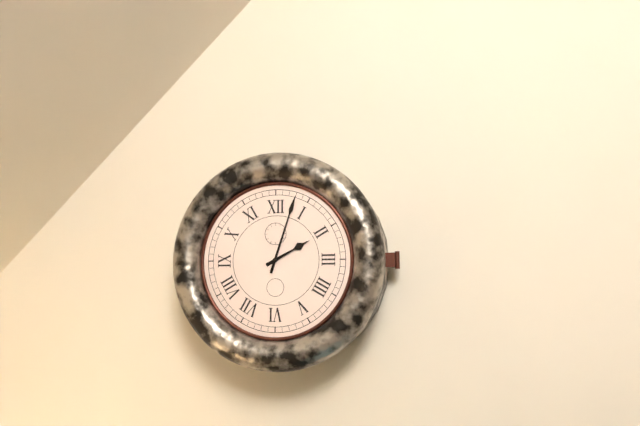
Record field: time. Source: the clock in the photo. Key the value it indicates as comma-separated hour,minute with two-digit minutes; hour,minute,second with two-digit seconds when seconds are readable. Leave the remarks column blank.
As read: 2,03
